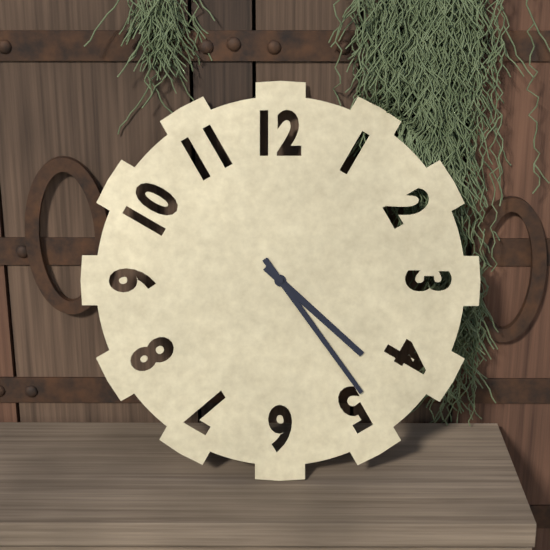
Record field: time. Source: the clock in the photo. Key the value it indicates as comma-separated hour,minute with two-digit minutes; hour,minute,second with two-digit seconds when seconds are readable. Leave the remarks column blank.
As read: 4,24
